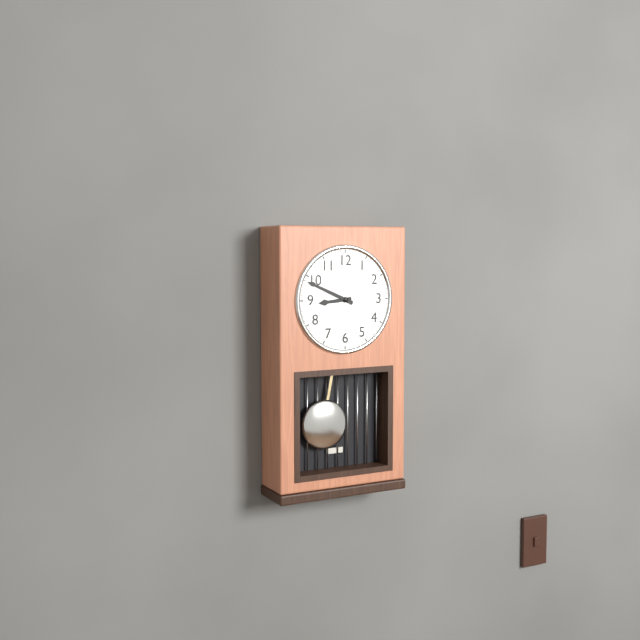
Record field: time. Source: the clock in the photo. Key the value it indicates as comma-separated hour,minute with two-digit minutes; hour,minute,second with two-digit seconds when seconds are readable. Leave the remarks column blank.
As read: 8,49
